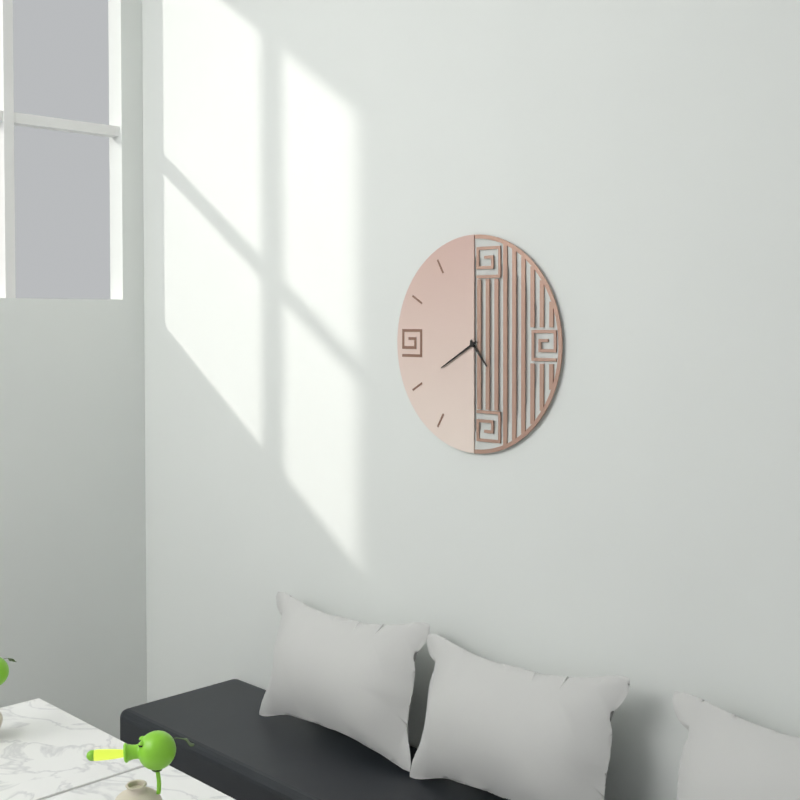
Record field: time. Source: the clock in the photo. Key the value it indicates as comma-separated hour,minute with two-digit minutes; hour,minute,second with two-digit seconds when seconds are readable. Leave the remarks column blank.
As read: 4,40
